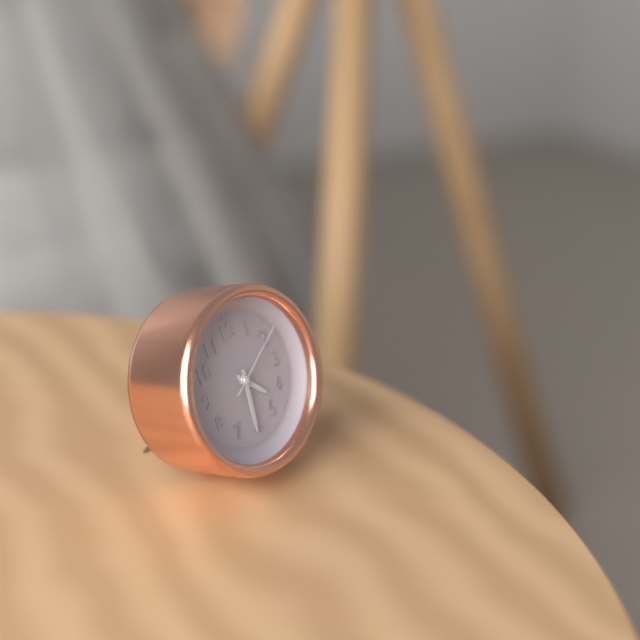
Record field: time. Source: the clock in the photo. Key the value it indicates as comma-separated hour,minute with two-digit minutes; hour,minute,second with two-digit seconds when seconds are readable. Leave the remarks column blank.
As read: 4,31,10
